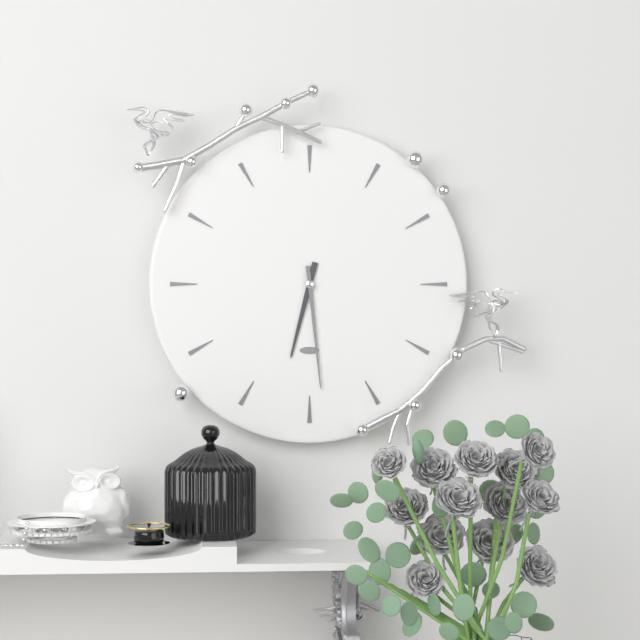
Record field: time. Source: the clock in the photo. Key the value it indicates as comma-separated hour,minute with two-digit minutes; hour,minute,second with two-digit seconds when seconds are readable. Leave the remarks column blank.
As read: 6,29
